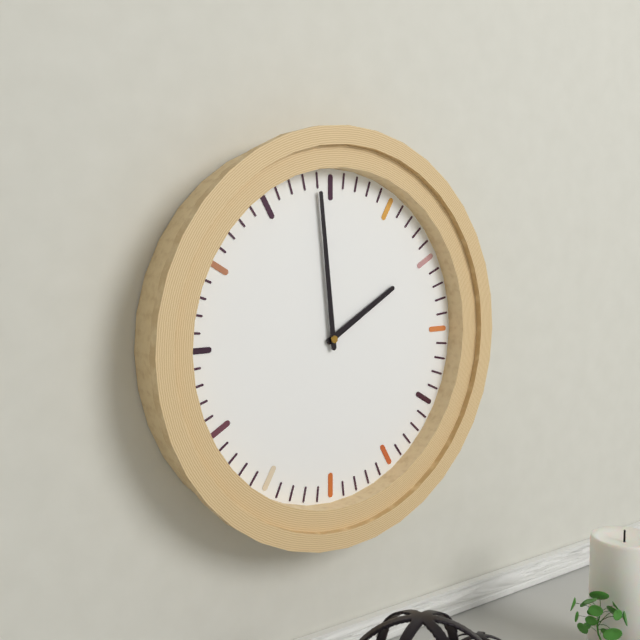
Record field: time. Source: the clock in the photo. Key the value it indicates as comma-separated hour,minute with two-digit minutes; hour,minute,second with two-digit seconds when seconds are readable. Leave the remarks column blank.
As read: 1,59
